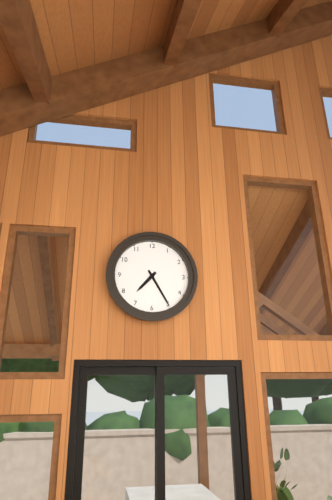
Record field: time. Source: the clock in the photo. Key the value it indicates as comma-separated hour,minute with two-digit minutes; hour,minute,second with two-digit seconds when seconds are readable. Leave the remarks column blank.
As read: 7,25
